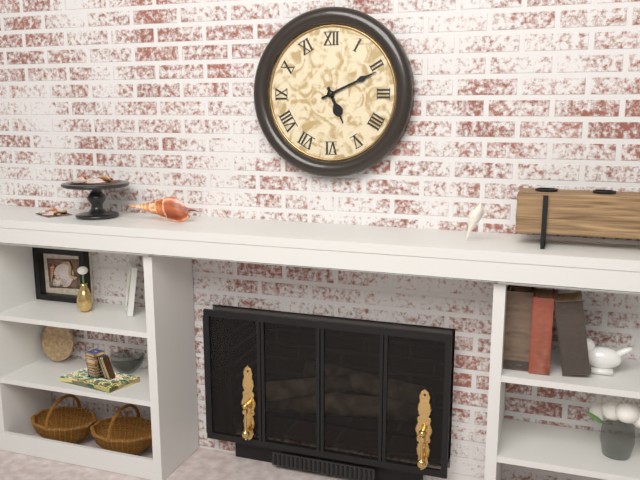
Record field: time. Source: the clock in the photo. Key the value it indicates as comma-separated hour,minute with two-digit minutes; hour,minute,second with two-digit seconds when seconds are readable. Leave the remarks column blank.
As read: 5,11
